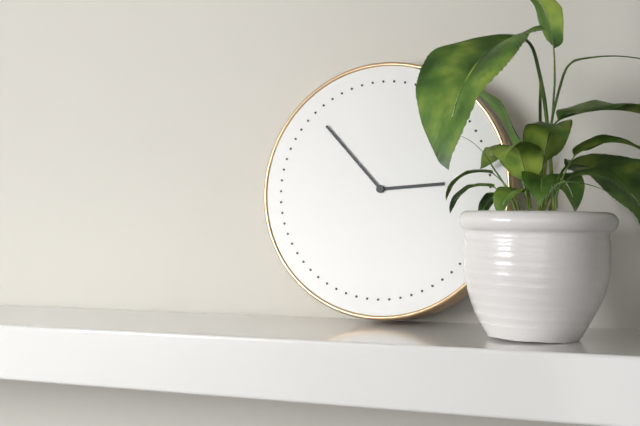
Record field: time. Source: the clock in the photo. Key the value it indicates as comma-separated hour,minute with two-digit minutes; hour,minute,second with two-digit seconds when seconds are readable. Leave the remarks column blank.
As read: 2,53
